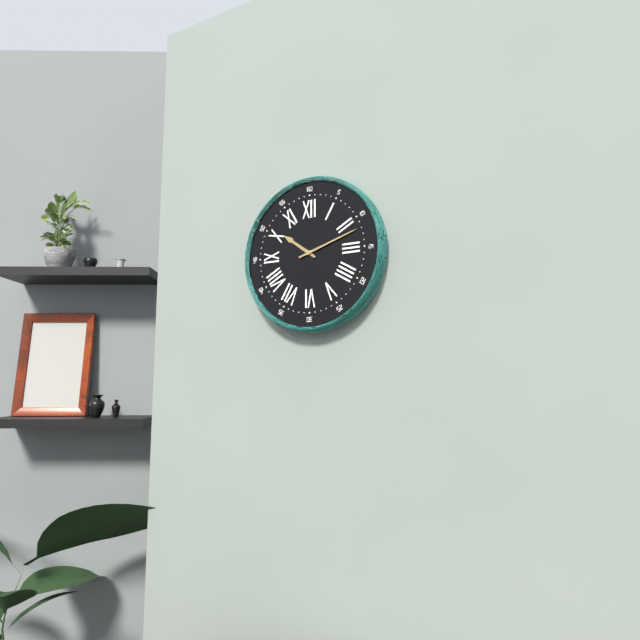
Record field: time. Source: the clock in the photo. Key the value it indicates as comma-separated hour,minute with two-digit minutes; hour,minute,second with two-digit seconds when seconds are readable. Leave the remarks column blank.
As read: 10,12
